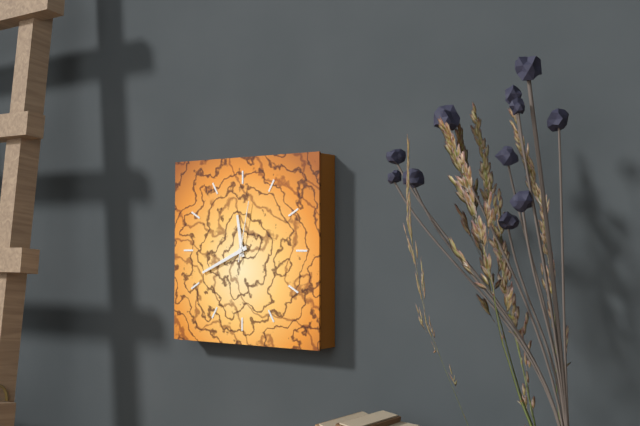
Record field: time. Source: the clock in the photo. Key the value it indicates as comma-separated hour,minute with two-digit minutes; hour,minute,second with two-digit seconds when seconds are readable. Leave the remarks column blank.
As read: 11,41,02
